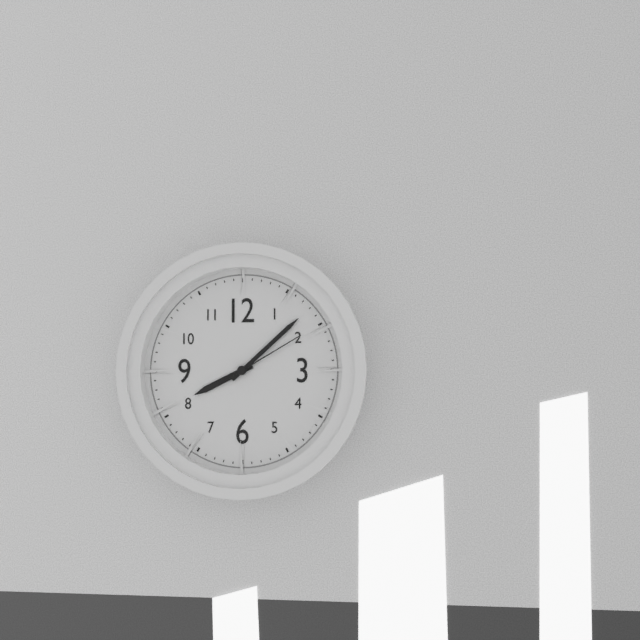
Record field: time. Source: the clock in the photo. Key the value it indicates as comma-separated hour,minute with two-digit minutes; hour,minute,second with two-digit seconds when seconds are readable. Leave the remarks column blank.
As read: 8,08,10
